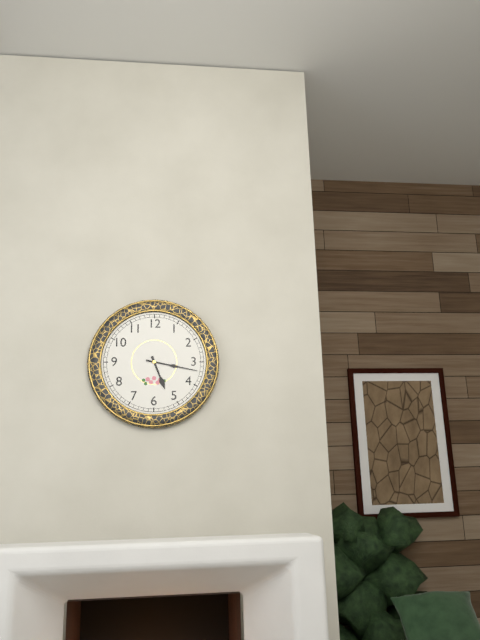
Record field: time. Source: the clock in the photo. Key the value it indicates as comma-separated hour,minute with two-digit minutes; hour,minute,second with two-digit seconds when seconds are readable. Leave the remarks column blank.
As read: 5,17
